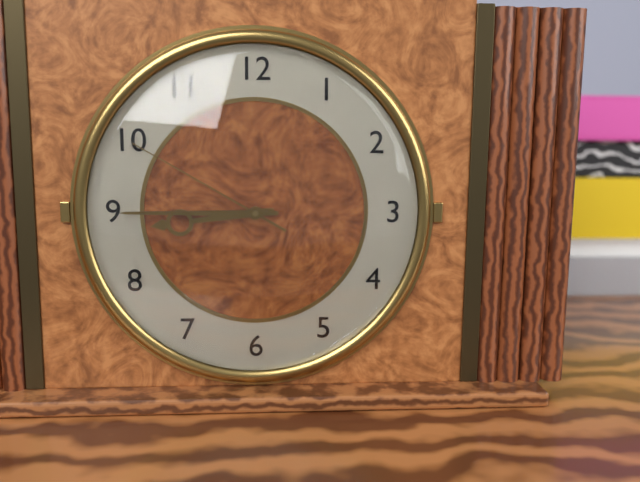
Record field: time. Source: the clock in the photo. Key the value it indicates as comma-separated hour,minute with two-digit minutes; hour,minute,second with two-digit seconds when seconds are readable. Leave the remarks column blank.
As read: 8,45,50
